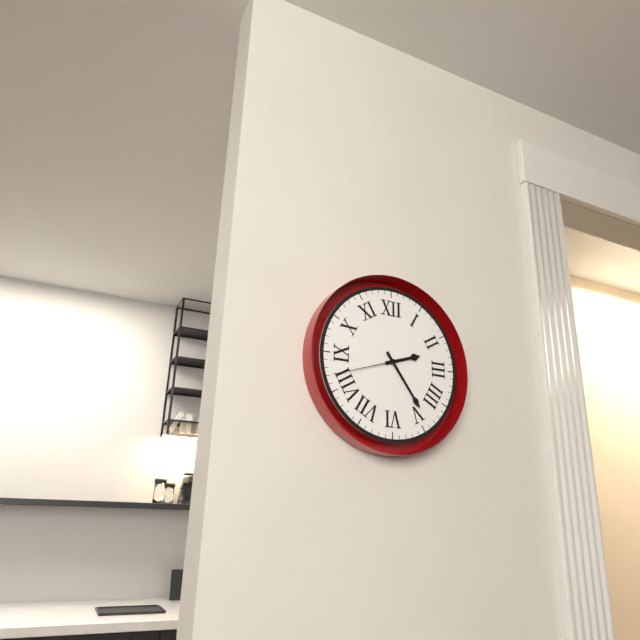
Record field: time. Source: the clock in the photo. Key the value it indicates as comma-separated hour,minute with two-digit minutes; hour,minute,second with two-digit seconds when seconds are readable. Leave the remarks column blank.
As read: 2,24,42
